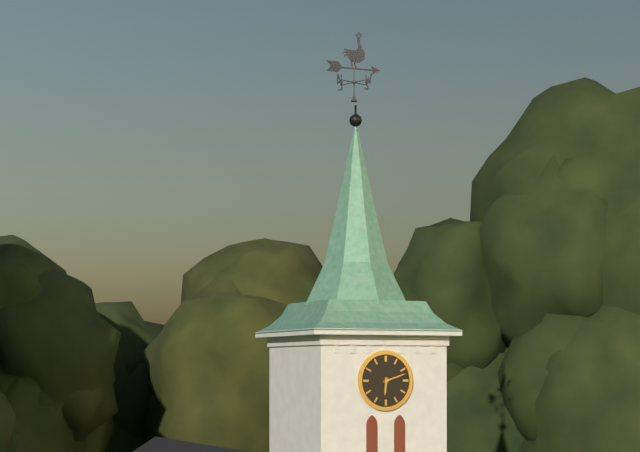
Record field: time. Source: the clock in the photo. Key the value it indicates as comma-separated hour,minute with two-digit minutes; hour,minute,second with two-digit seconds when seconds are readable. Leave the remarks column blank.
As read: 6,12
